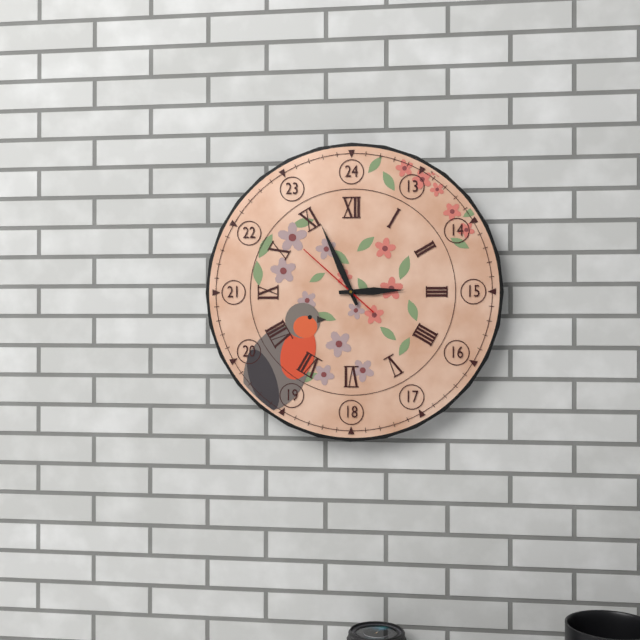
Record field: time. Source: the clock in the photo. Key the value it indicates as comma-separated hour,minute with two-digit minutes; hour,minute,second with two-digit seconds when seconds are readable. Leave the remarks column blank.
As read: 2,56,52
